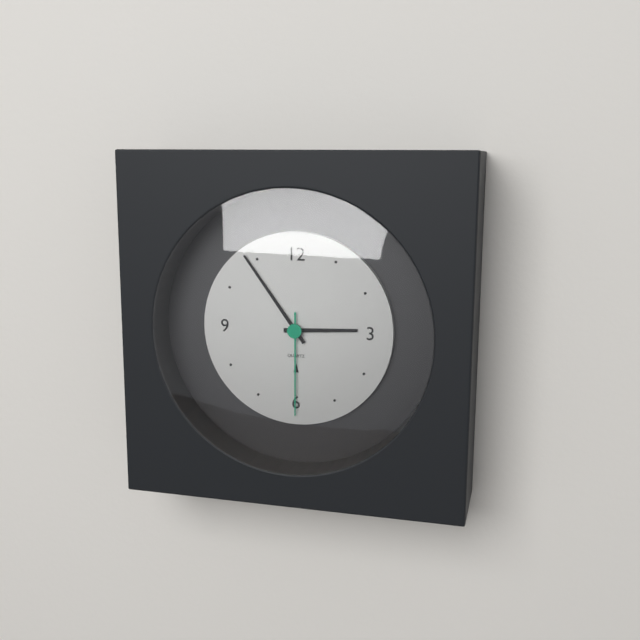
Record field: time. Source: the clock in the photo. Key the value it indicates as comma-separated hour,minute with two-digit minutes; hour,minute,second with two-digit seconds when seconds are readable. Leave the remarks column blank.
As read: 2,54,30
